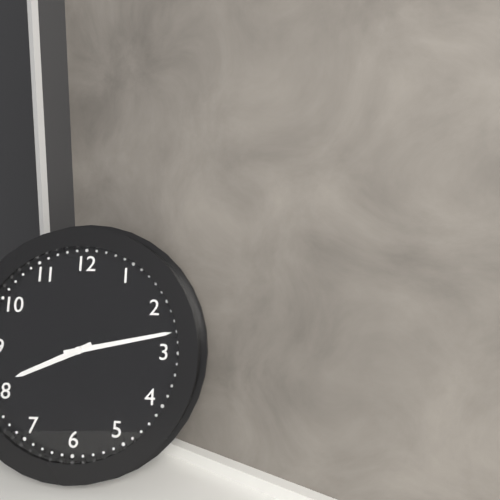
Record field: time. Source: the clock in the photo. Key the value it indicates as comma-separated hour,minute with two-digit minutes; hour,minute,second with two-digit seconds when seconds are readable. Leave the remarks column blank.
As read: 8,13
